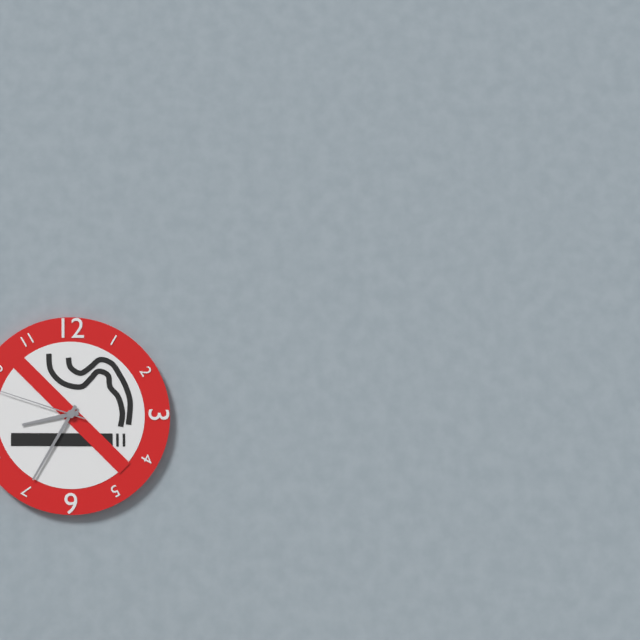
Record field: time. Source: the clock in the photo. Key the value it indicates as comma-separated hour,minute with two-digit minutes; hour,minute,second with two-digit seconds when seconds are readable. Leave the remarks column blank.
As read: 8,35
